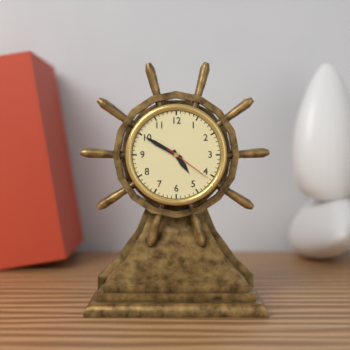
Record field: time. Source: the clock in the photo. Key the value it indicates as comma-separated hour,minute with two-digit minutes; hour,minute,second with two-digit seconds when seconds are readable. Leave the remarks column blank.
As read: 4,50
